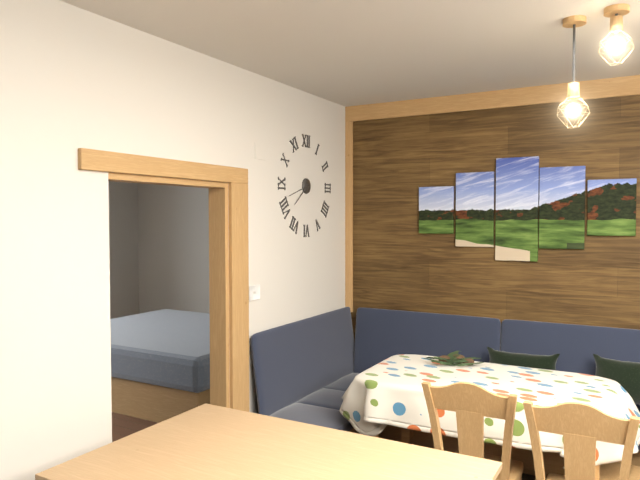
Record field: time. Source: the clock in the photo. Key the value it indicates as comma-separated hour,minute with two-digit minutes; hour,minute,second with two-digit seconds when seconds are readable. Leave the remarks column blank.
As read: 7,42
